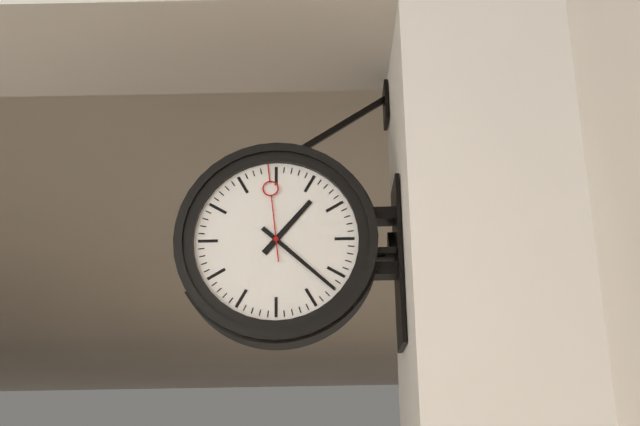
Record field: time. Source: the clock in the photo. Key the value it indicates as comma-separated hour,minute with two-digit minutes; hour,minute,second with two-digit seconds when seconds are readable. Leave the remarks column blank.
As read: 1,22,59
